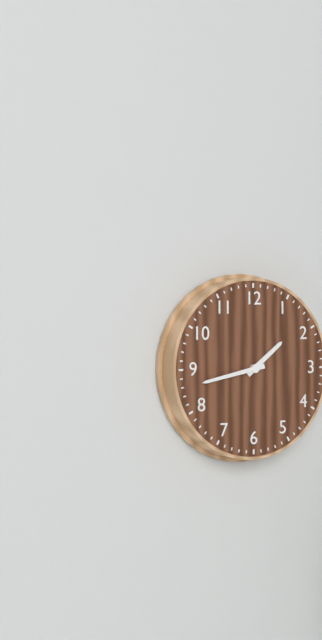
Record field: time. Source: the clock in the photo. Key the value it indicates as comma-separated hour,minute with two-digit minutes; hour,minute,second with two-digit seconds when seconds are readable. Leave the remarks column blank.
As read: 1,43
